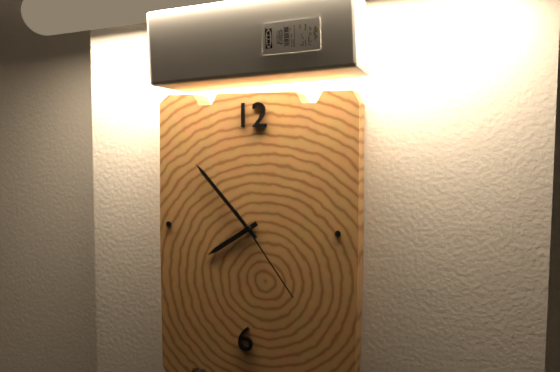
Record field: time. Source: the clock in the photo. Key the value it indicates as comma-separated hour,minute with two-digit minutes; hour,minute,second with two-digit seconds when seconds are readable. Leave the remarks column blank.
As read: 7,53,24
